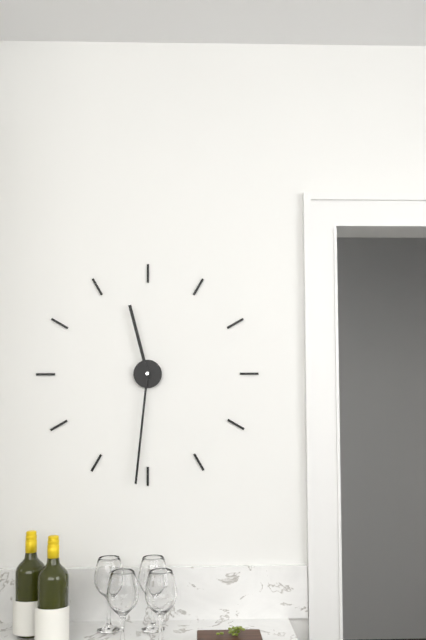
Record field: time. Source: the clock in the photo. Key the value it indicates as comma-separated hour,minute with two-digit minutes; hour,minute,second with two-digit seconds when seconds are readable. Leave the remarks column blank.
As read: 11,31
